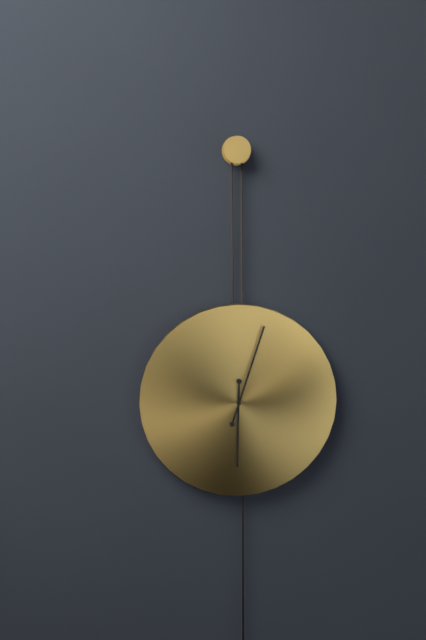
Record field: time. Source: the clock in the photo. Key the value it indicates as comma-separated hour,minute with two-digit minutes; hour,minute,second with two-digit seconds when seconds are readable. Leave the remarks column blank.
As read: 6,03
